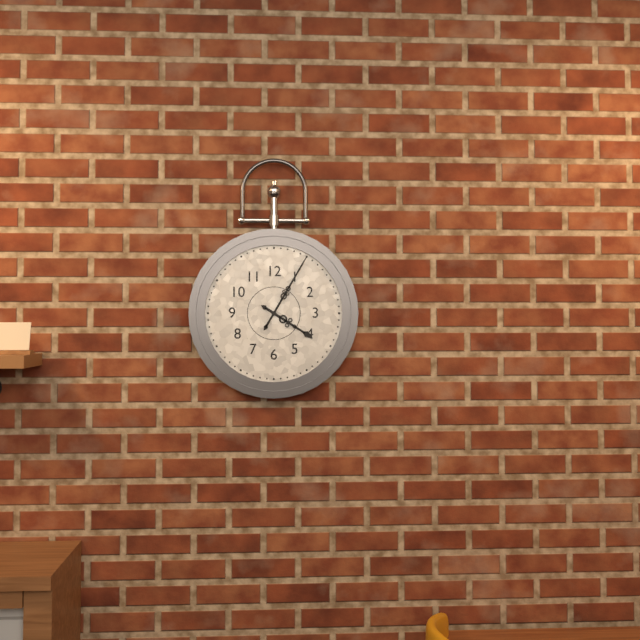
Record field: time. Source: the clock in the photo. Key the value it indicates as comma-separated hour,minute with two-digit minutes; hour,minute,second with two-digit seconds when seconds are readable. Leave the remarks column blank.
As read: 4,05
